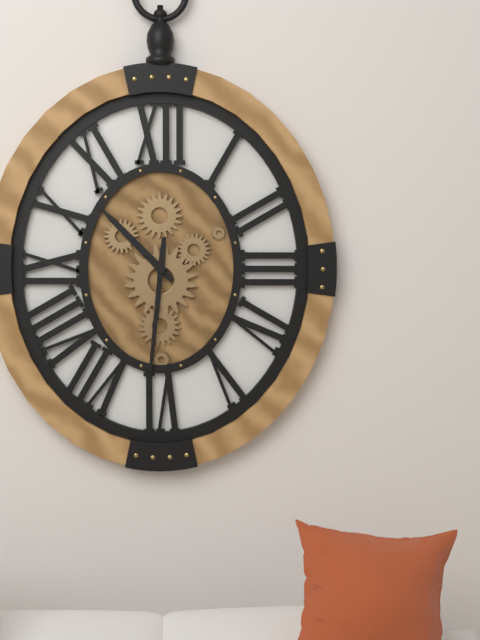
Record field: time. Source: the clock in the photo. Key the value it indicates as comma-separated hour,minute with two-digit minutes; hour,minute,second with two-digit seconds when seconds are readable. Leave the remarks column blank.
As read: 10,31
